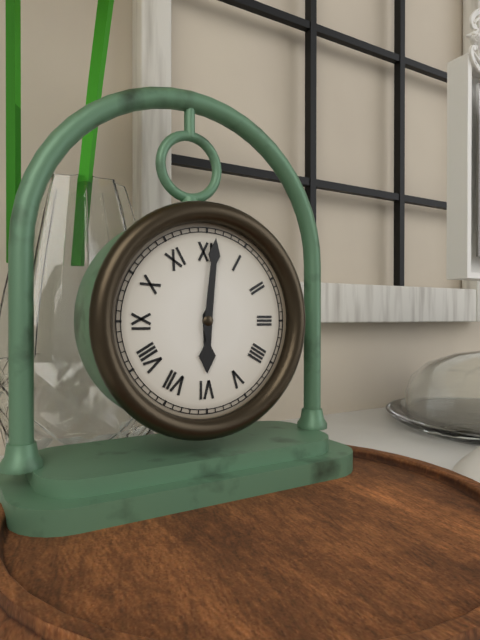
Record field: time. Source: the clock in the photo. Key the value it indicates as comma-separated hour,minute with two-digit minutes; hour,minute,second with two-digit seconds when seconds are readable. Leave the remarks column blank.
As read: 6,01
